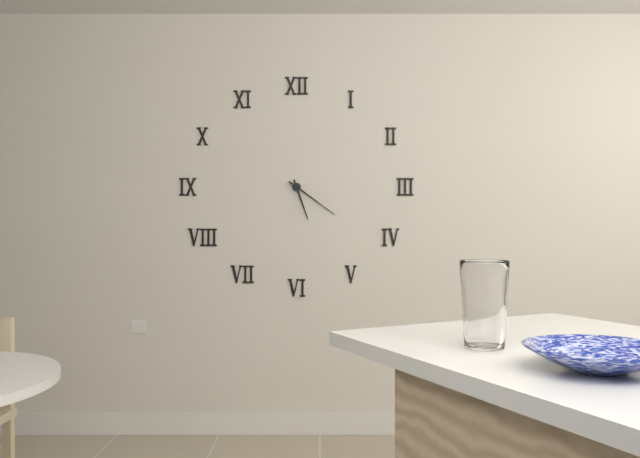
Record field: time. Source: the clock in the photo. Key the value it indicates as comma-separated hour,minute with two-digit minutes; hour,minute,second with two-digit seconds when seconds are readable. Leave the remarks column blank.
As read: 5,21
